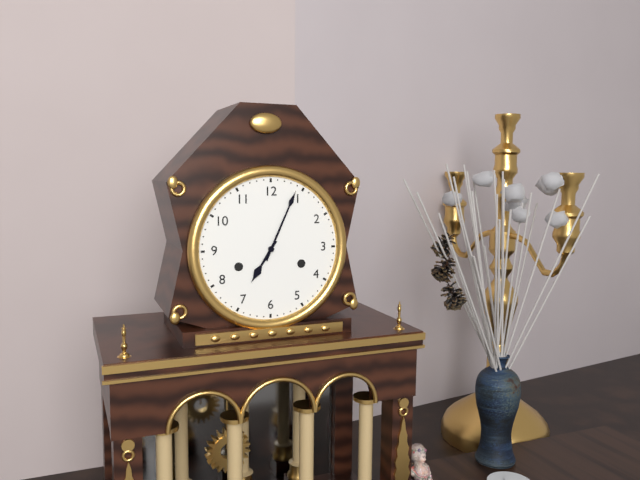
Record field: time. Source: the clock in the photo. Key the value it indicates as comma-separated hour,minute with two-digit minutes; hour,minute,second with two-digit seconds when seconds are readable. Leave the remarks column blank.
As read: 7,04
